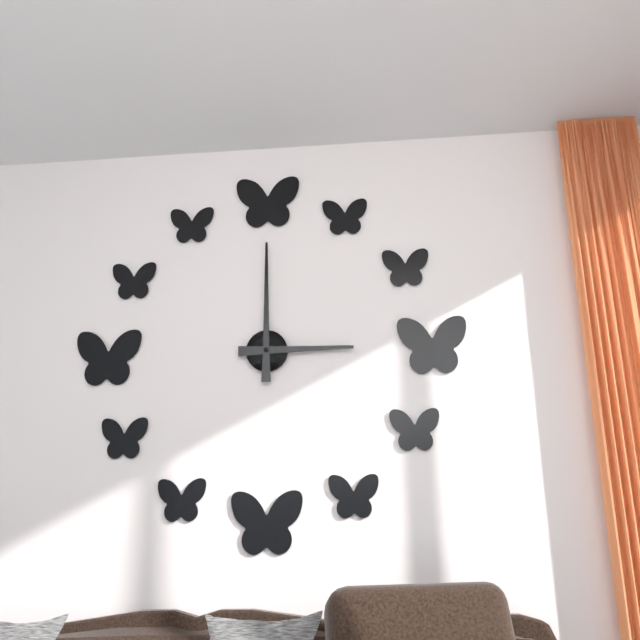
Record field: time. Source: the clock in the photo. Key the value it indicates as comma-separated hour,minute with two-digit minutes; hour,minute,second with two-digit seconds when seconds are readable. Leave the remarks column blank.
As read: 3,00
